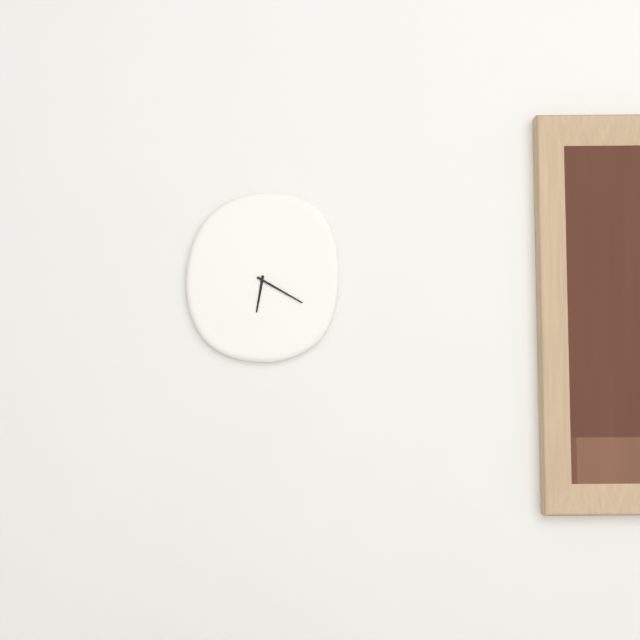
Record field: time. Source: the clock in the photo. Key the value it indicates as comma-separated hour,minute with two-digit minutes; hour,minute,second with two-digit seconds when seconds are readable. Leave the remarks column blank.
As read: 6,20
